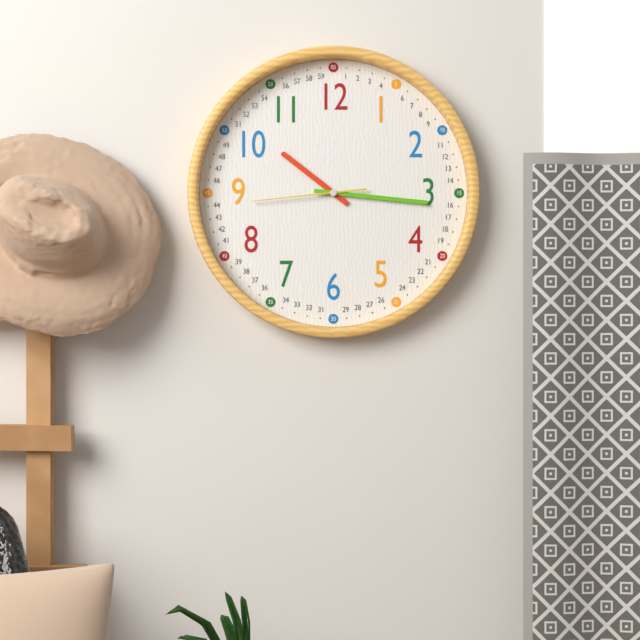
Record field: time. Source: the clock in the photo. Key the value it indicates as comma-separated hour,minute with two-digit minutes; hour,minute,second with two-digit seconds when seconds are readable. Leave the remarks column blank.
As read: 10,16,44
